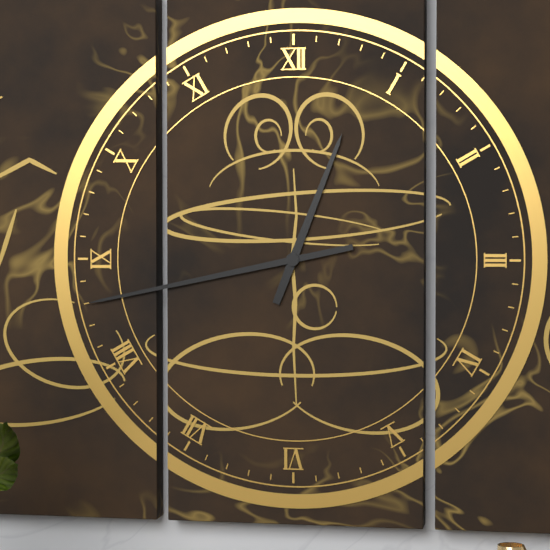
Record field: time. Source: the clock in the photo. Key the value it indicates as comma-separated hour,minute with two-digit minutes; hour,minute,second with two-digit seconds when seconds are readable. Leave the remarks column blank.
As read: 12,43
